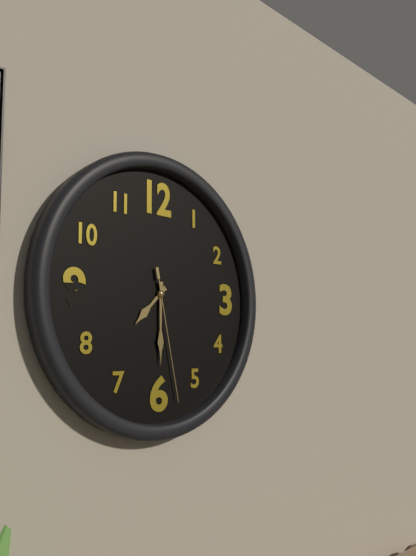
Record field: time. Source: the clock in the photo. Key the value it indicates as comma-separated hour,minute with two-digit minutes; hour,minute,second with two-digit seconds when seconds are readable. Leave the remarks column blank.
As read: 7,30,28
